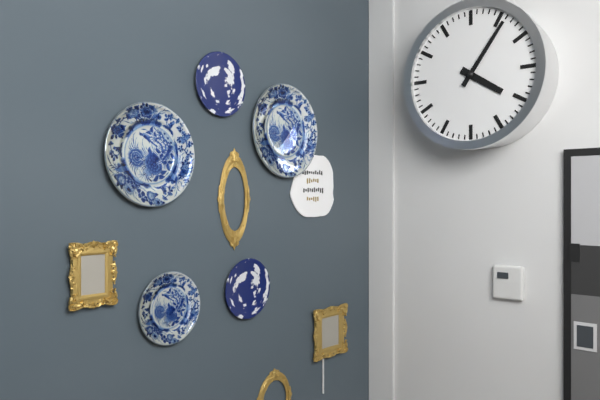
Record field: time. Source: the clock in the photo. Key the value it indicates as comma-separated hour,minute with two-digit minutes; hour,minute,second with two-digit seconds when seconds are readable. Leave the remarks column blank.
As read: 4,06
